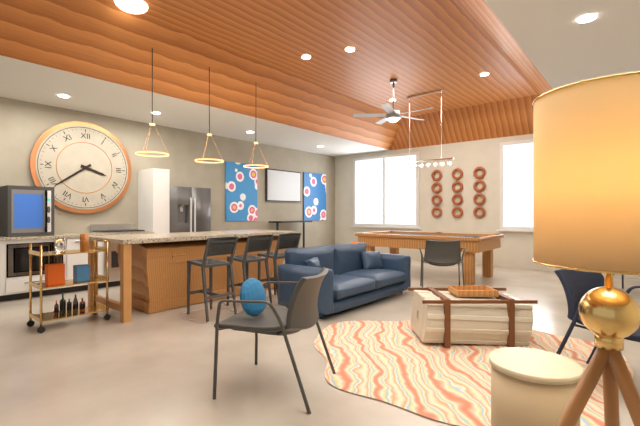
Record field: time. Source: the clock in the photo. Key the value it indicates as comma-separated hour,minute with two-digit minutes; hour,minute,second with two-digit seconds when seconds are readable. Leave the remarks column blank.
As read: 3,39
